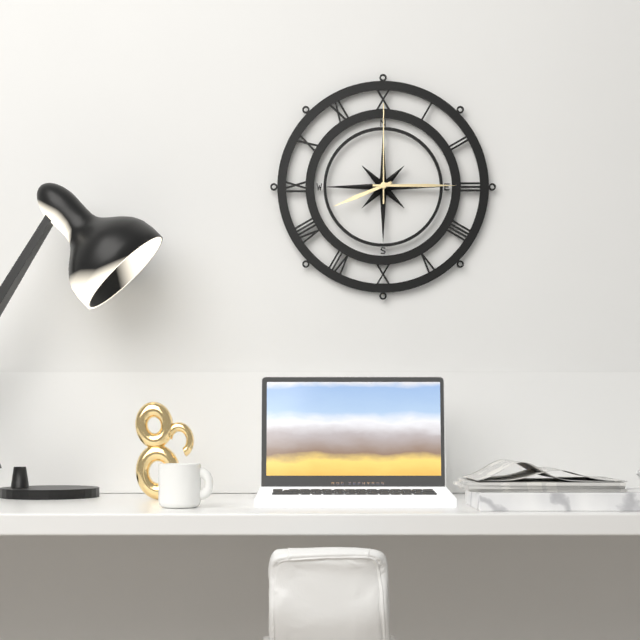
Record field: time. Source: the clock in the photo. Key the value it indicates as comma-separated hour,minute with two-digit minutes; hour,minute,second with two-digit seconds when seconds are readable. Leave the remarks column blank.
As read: 8,15,00
